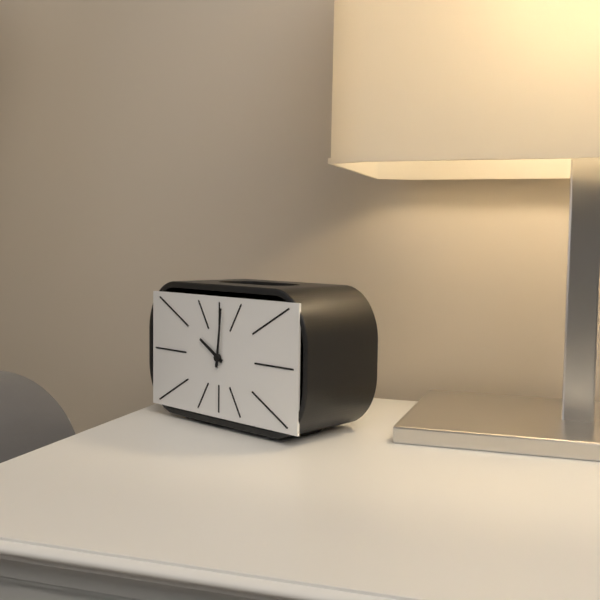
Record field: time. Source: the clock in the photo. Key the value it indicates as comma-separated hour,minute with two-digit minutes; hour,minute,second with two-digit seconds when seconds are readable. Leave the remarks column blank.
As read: 10,01
